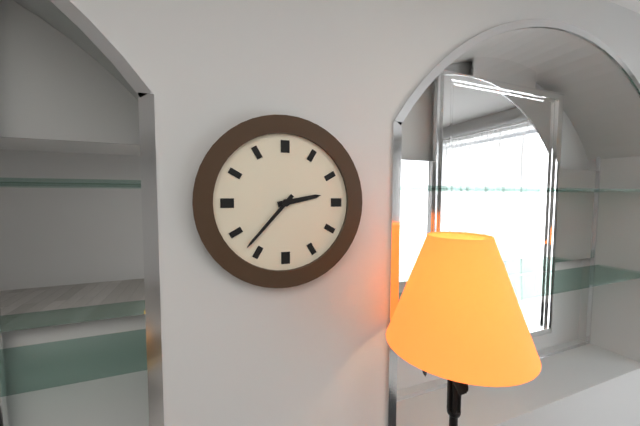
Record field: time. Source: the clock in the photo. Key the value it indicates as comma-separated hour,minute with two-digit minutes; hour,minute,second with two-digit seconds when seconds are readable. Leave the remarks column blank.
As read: 2,37
